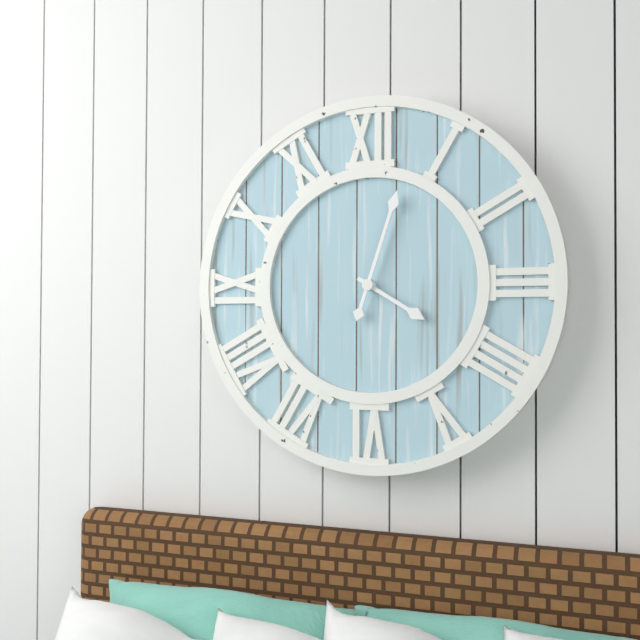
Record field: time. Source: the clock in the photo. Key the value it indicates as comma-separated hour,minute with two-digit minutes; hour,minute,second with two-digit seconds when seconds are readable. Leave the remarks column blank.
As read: 4,03
